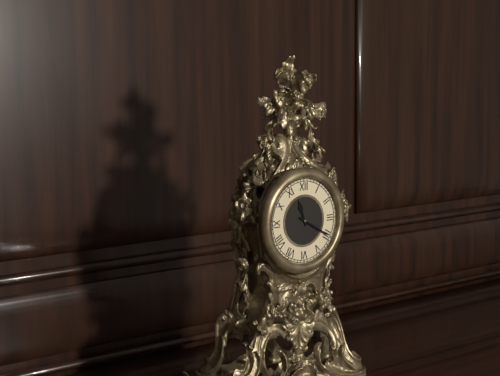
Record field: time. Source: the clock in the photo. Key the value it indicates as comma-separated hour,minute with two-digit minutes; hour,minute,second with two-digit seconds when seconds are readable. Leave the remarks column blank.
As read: 11,20
